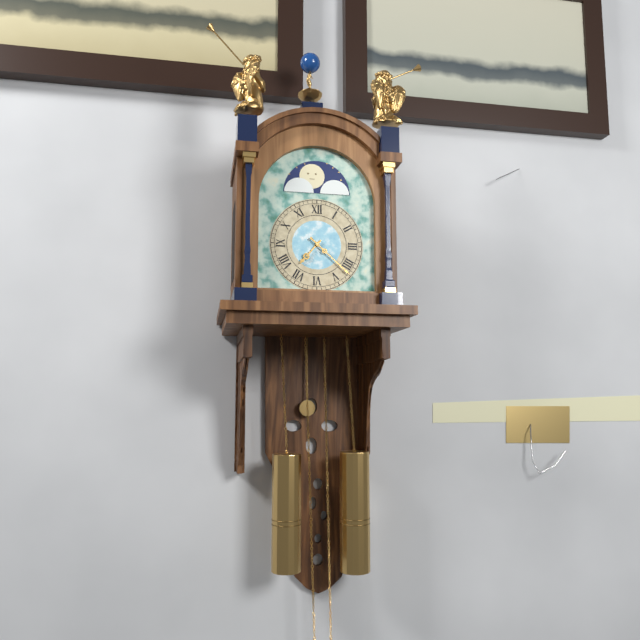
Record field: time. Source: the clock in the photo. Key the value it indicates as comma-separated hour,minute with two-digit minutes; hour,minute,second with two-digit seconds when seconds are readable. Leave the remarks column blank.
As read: 7,22
